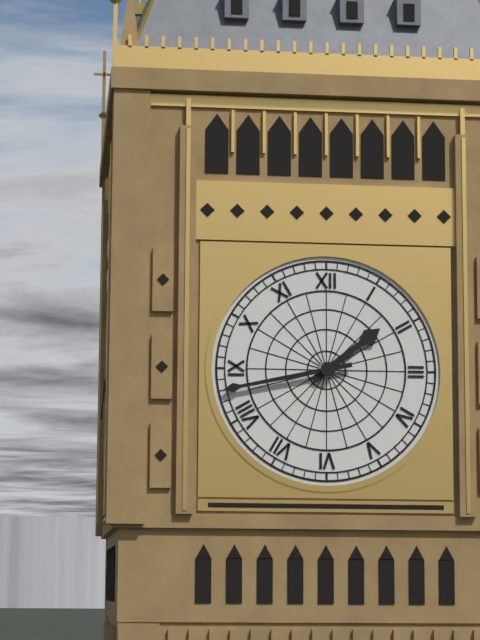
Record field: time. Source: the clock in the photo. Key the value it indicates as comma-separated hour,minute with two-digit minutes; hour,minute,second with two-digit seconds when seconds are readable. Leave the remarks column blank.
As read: 1,43
